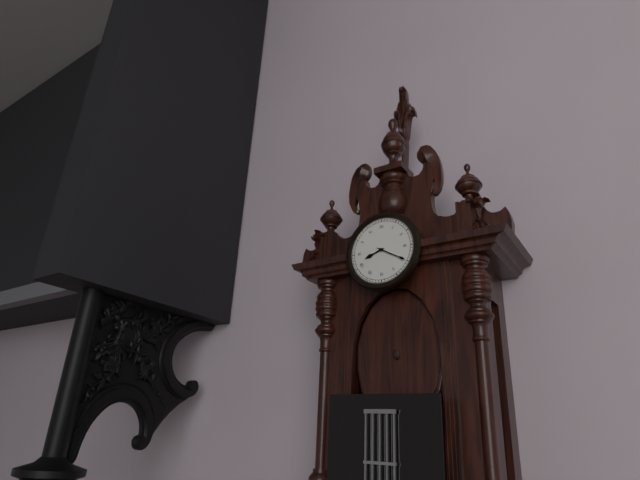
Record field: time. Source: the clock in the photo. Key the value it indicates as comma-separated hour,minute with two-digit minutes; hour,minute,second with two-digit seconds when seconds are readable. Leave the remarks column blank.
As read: 8,20
